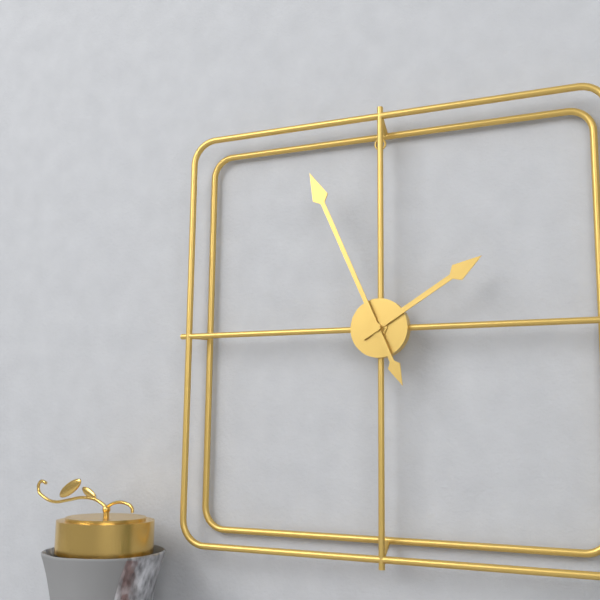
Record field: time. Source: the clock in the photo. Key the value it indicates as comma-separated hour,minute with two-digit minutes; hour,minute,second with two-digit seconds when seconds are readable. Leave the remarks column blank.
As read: 1,56
